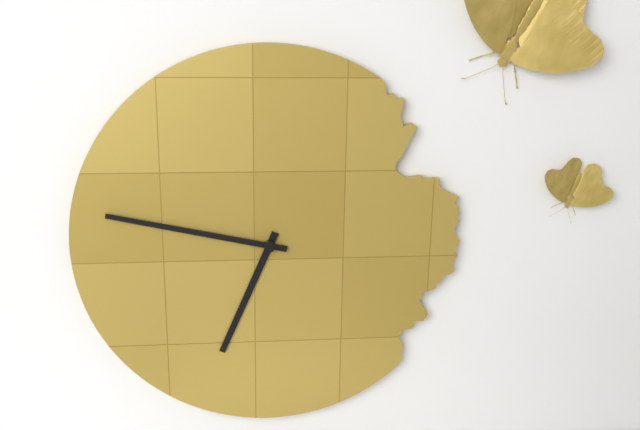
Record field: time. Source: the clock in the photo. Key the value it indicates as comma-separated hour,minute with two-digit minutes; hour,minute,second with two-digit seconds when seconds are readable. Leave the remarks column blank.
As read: 6,47
